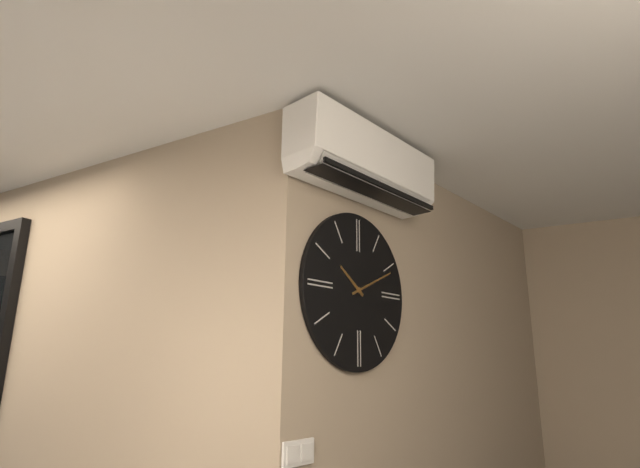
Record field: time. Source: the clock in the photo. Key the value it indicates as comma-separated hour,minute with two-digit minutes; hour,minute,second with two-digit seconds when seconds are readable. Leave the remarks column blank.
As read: 10,11
